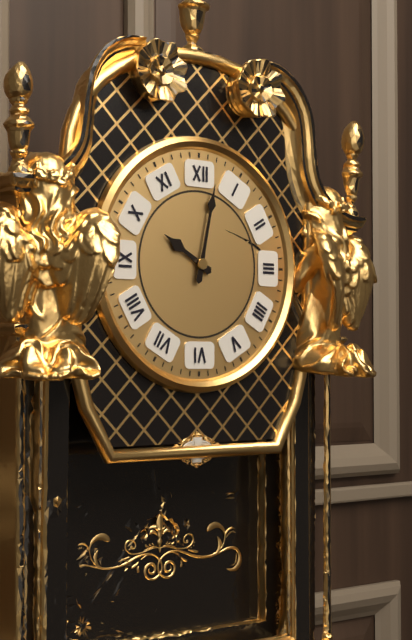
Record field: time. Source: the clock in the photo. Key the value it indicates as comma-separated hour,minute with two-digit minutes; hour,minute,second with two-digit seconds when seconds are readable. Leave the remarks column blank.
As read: 10,02
